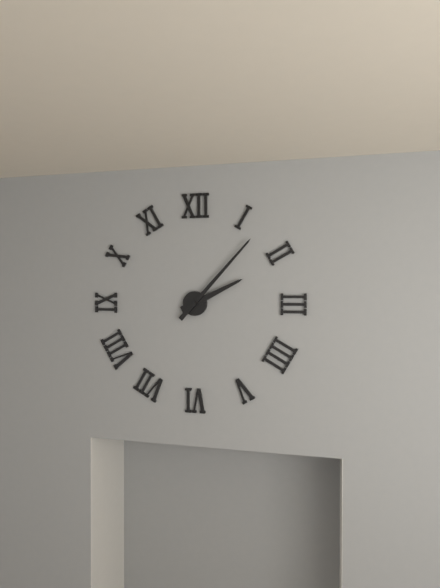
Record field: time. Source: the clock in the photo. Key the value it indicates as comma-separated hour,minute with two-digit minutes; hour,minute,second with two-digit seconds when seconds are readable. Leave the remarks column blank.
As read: 2,07
